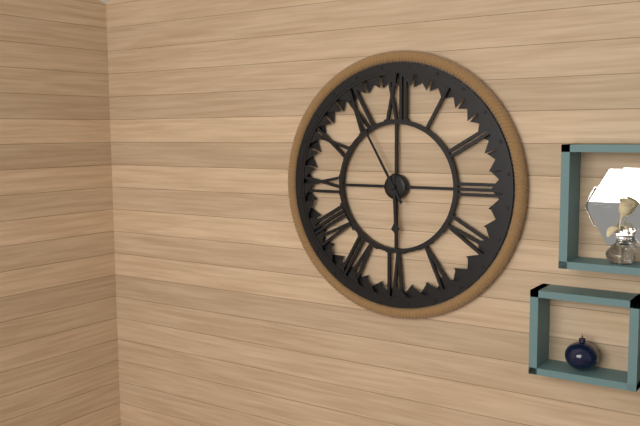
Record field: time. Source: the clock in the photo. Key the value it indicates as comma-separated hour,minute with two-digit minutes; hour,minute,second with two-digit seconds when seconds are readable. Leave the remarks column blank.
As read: 5,55
